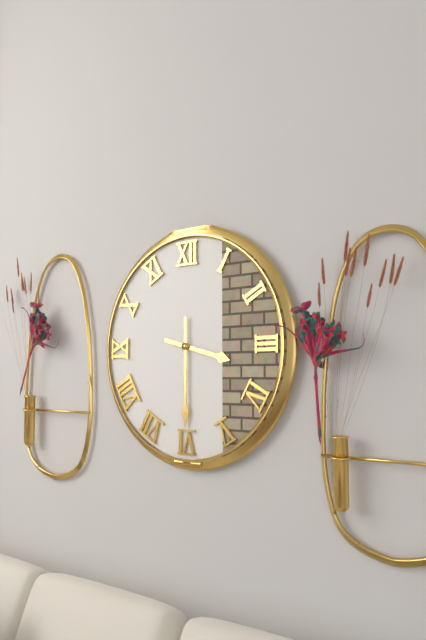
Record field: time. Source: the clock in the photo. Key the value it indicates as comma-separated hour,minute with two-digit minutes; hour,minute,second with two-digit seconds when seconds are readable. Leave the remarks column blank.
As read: 3,30
